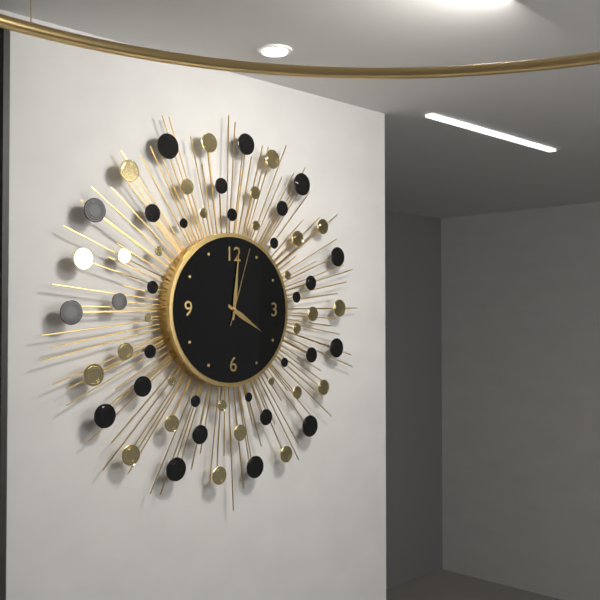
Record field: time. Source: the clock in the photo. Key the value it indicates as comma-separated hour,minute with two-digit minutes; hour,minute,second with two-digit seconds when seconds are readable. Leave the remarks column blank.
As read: 4,01,03
